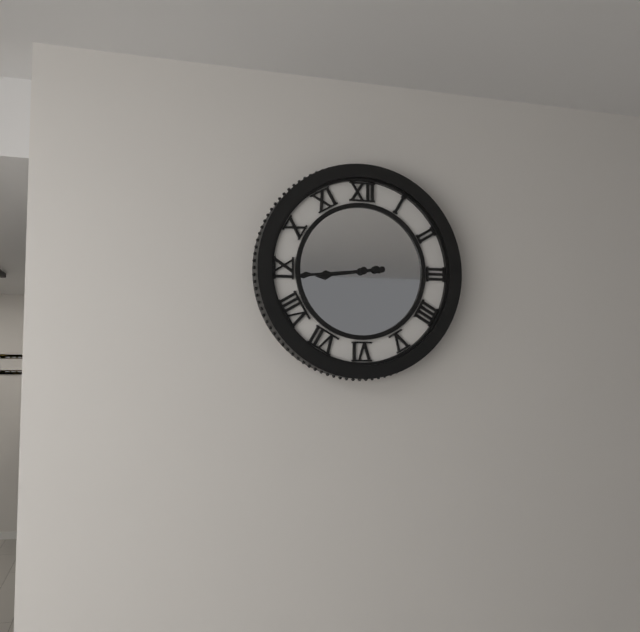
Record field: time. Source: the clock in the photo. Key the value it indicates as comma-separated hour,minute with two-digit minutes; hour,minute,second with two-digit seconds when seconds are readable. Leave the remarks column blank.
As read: 8,44
